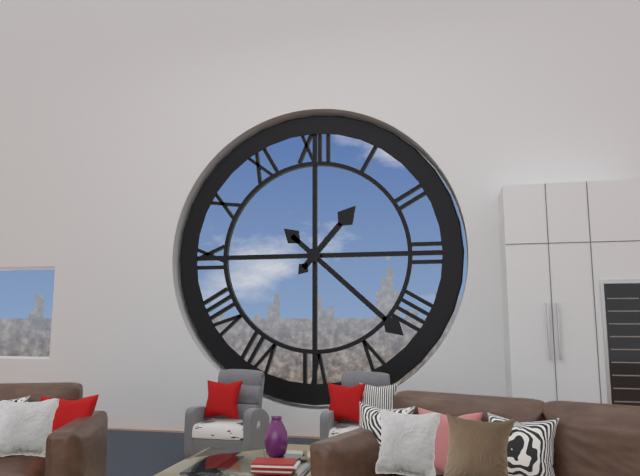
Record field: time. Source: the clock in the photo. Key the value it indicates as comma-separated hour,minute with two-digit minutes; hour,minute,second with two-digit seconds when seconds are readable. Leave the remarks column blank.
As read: 1,22
